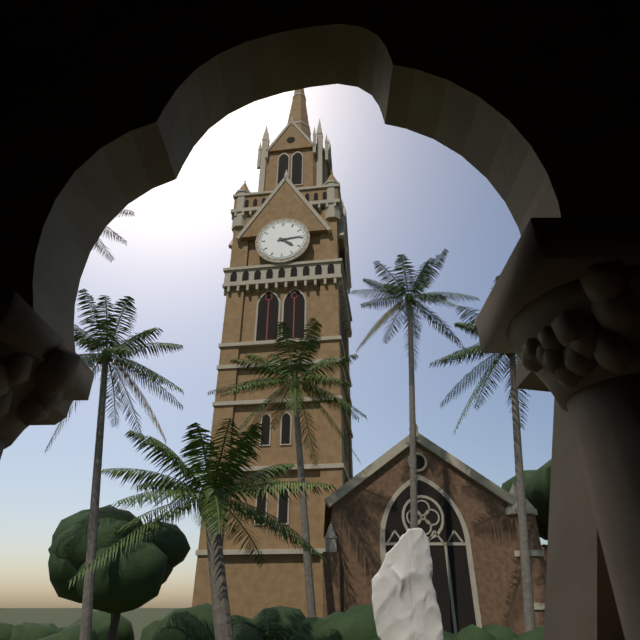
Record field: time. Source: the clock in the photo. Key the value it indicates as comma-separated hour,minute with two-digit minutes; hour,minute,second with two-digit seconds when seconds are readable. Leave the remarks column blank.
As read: 4,14
